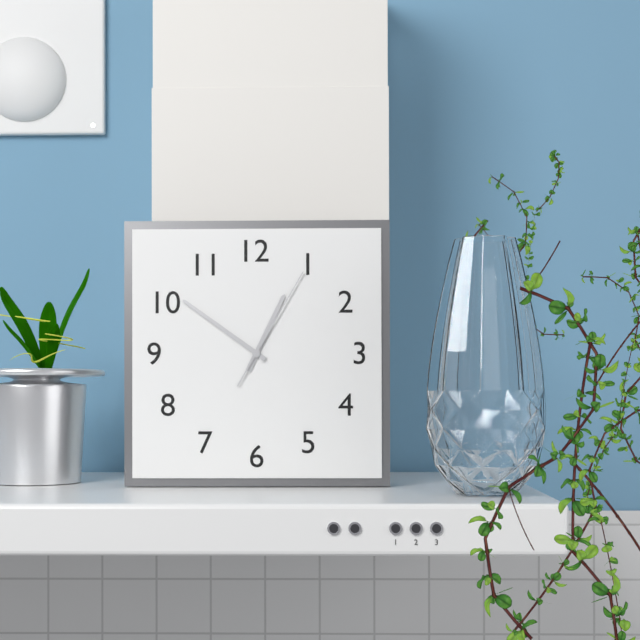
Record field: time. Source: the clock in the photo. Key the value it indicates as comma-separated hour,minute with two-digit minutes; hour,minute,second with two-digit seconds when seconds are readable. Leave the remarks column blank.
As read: 12,51,05
